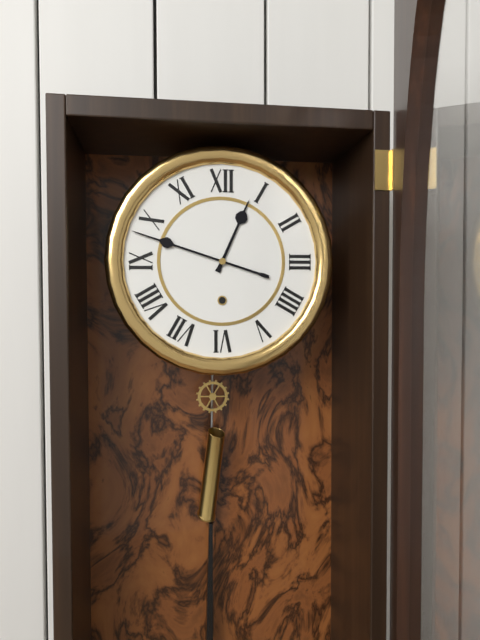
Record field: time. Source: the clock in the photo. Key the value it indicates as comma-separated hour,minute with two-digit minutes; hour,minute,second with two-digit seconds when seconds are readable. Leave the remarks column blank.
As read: 12,48
